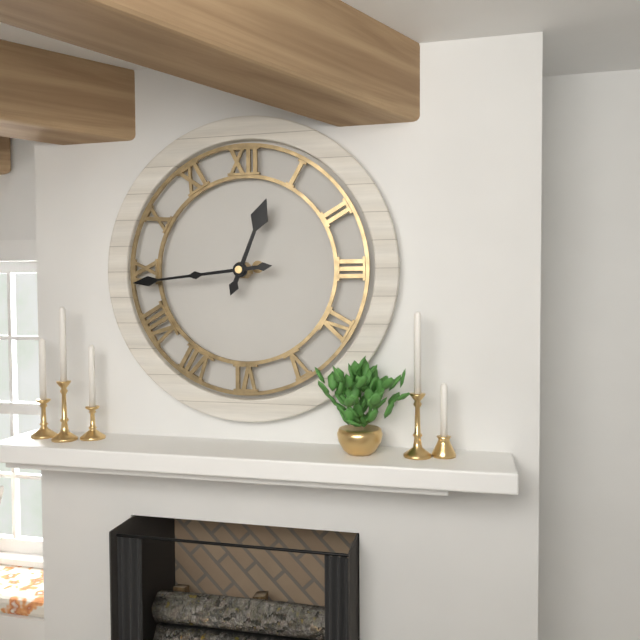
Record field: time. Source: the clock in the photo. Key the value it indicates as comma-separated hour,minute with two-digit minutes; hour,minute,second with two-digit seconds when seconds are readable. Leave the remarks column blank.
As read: 12,44
